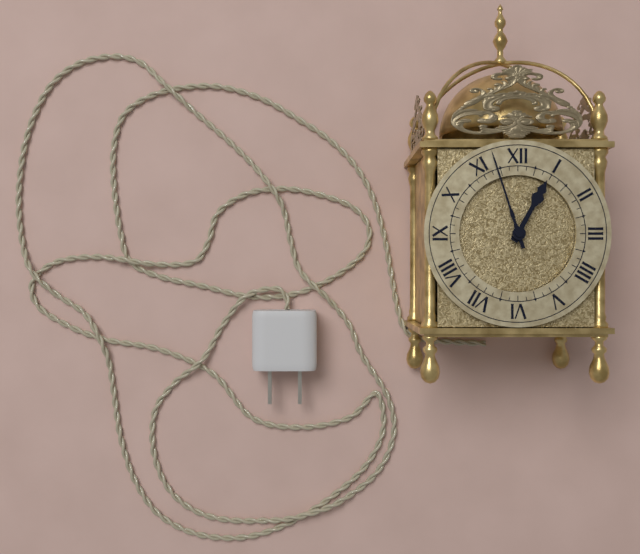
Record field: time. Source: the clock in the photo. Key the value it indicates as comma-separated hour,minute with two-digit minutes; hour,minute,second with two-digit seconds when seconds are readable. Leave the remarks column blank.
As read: 12,57
